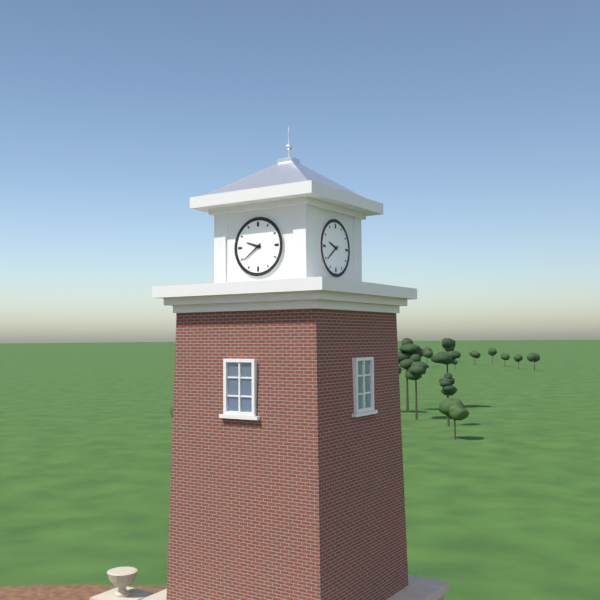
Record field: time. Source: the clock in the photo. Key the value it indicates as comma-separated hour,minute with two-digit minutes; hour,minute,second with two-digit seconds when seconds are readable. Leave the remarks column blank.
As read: 9,39
